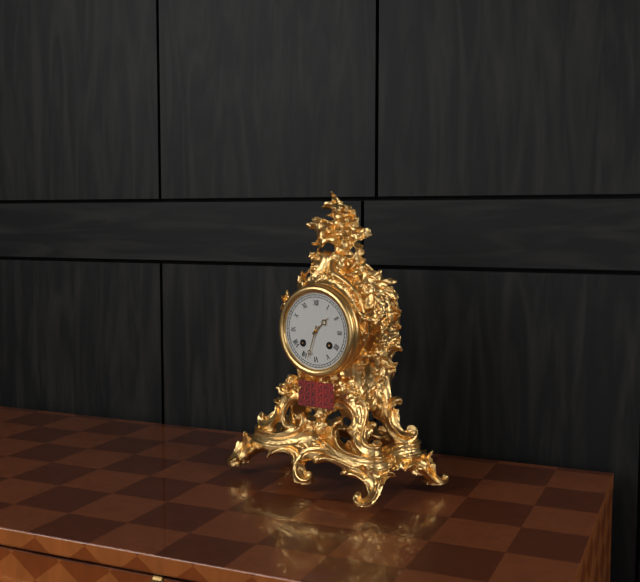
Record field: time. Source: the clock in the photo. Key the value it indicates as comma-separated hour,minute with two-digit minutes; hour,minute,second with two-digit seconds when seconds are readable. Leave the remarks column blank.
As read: 1,33
